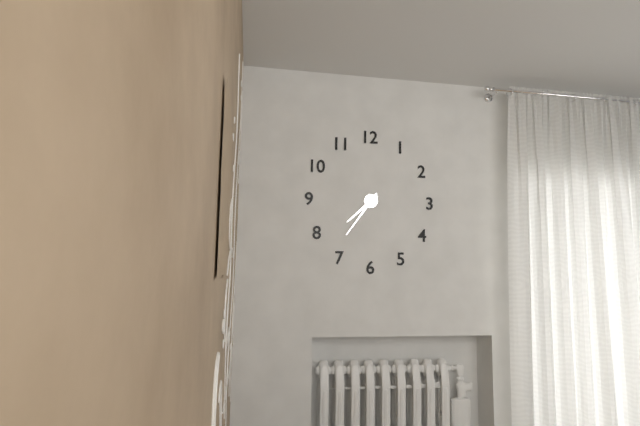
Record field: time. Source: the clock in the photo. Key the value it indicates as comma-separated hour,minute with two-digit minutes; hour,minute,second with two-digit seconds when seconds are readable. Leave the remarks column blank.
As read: 7,36
